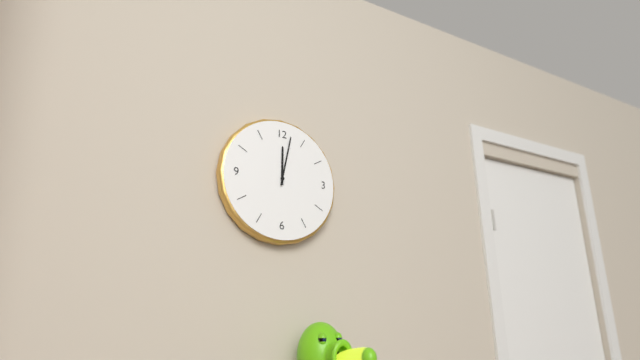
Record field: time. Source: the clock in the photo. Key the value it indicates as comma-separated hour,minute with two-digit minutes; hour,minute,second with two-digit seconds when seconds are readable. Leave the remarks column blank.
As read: 12,02
